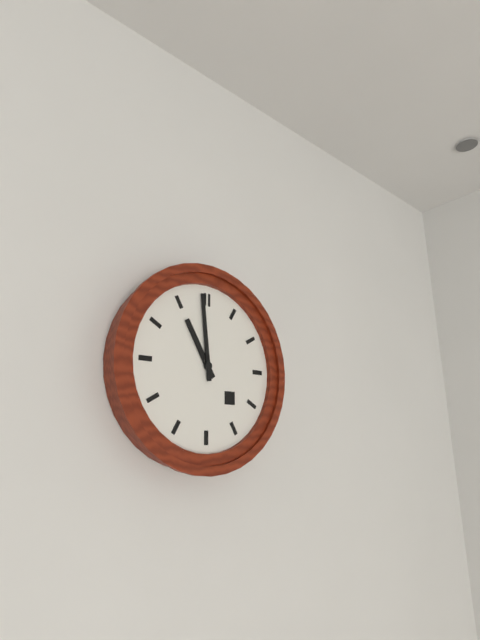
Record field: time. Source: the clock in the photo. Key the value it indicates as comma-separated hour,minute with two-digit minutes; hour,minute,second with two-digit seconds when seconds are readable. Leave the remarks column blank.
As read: 10,59
